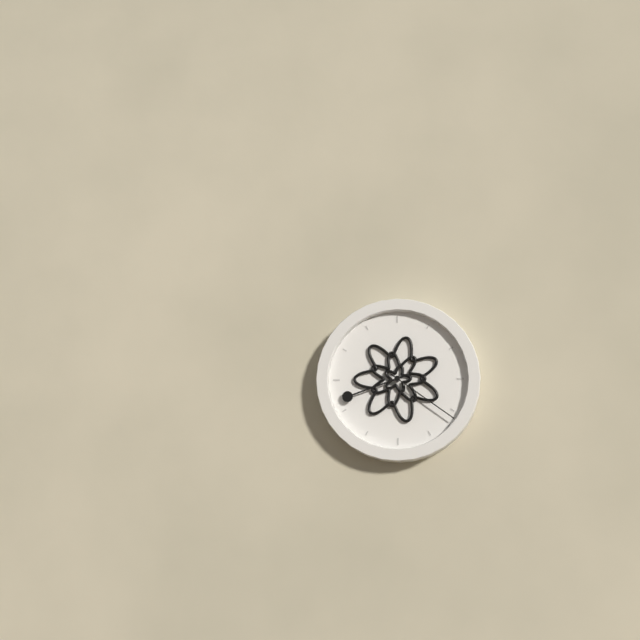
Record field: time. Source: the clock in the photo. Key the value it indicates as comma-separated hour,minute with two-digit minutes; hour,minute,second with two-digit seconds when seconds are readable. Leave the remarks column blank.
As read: 8,21
